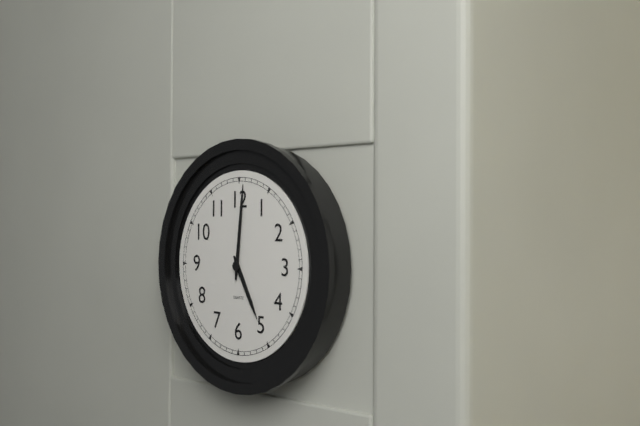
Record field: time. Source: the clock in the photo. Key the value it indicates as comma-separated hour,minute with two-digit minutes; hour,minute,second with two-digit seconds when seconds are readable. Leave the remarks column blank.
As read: 5,01
